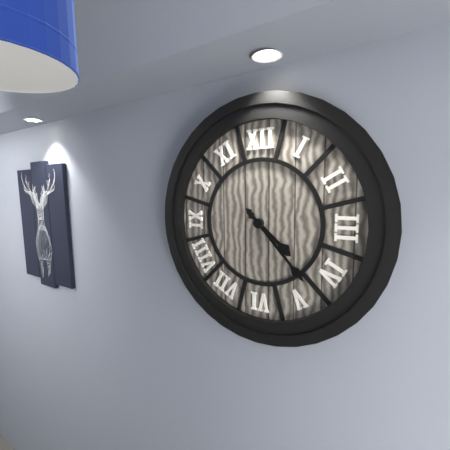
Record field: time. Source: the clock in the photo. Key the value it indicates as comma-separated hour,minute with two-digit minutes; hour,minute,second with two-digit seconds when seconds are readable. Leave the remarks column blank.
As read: 4,23
